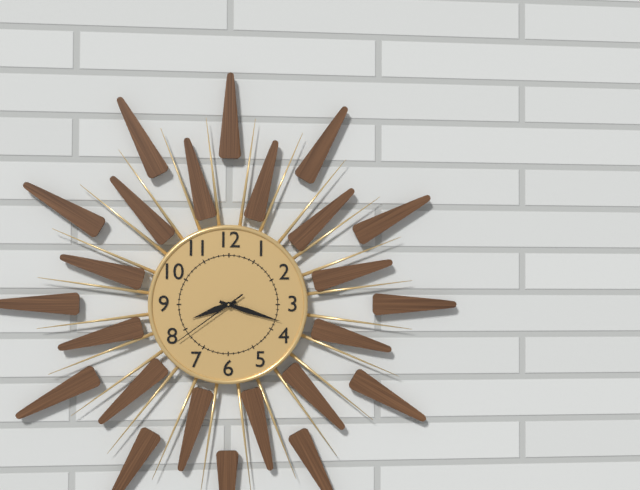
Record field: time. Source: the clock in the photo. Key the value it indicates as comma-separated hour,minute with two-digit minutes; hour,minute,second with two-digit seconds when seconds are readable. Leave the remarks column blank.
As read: 8,18,39
